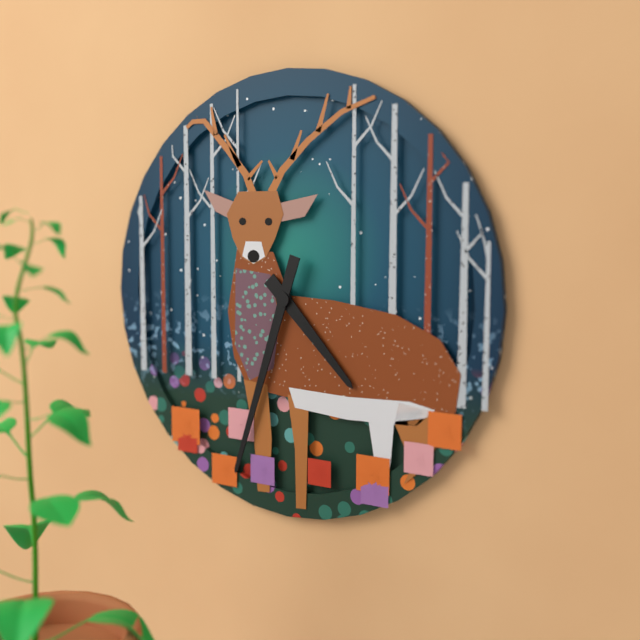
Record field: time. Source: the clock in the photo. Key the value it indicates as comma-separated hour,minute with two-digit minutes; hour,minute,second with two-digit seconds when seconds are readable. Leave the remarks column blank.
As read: 4,33
